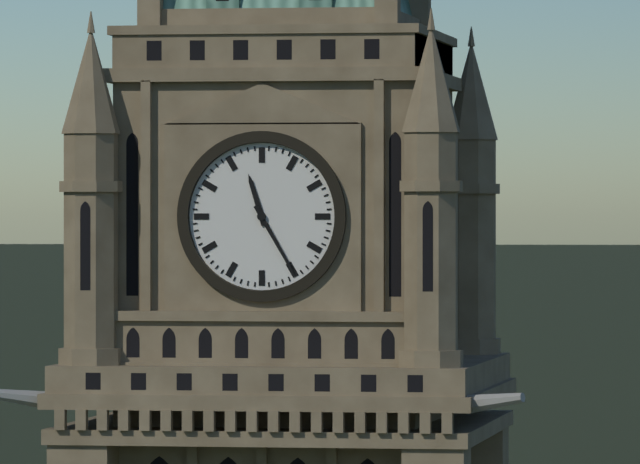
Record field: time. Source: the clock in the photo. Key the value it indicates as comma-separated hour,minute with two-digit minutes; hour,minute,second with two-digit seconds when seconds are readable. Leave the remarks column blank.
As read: 11,25
